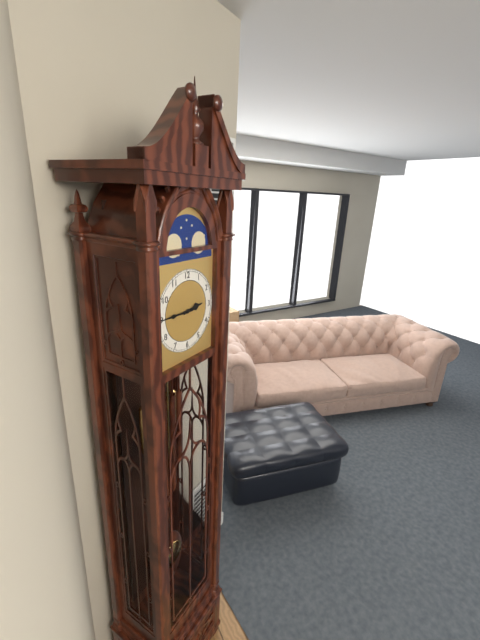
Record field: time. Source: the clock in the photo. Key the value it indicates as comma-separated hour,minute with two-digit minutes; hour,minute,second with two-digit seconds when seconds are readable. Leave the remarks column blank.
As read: 2,45
